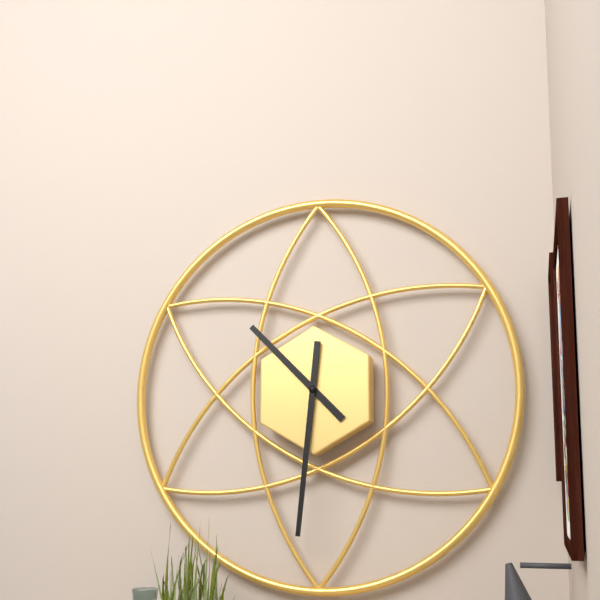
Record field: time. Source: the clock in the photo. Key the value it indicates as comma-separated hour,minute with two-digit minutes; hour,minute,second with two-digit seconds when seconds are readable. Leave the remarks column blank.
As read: 10,31
